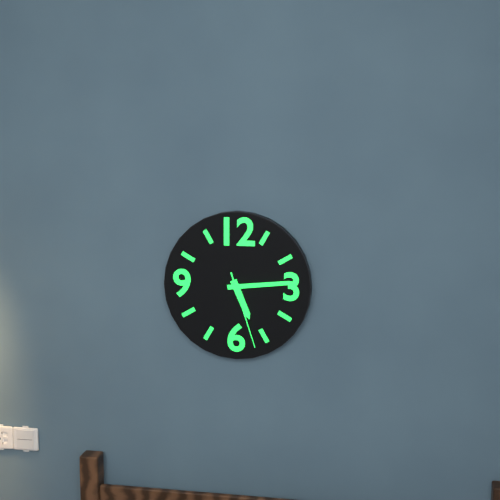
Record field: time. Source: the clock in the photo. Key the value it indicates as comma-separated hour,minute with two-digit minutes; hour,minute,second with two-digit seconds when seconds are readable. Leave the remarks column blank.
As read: 5,14,27
